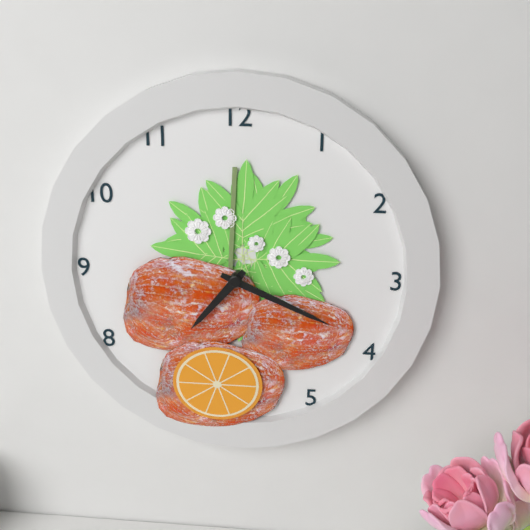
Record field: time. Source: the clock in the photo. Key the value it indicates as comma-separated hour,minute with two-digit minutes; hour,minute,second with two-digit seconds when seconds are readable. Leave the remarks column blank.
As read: 7,19
